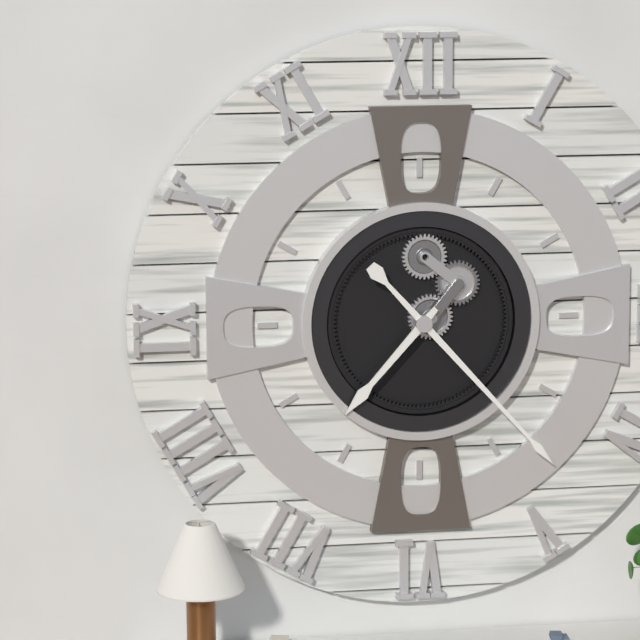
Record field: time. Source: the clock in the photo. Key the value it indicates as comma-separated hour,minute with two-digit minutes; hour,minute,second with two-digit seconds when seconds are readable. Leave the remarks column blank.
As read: 7,23
